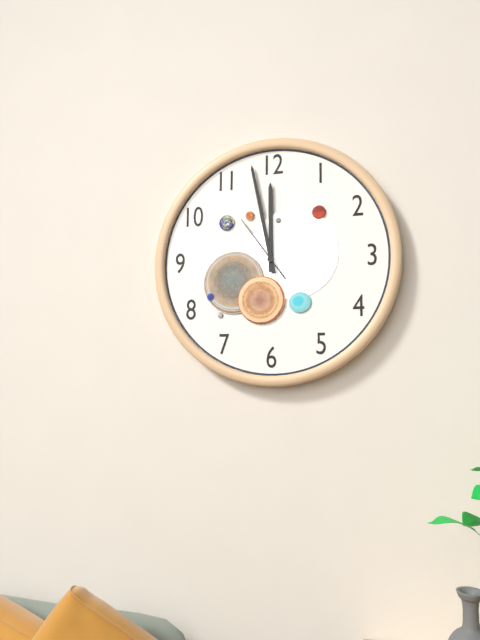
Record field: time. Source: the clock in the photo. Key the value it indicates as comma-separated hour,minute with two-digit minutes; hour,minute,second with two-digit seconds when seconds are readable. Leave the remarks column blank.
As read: 11,58,54
